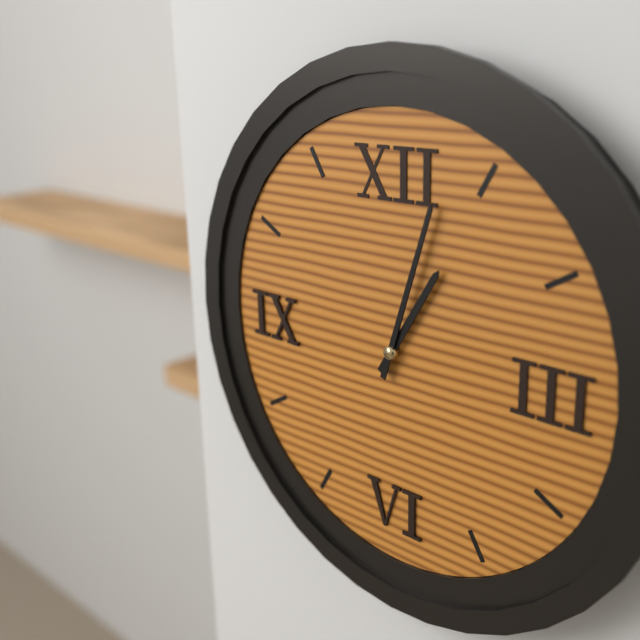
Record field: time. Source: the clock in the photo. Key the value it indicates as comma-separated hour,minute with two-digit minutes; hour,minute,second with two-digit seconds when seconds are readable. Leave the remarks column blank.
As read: 1,03
